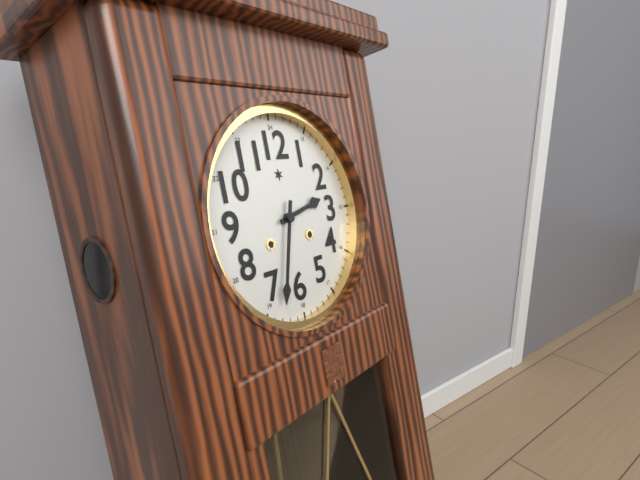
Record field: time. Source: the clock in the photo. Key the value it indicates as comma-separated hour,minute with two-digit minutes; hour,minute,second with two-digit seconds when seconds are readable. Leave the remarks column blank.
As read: 2,33
